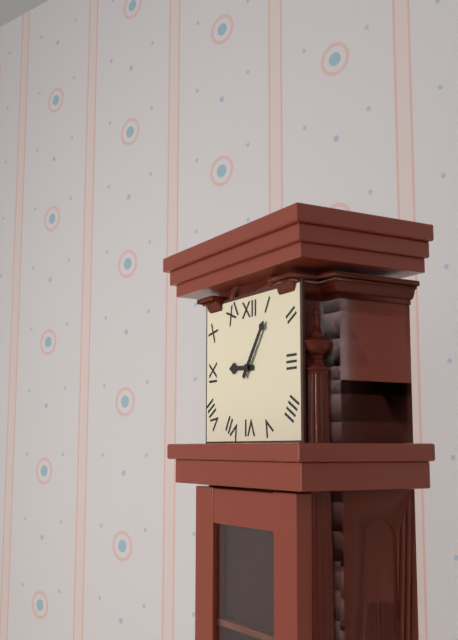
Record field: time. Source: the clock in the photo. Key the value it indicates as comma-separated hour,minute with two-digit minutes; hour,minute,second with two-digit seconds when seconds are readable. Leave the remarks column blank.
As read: 9,06
